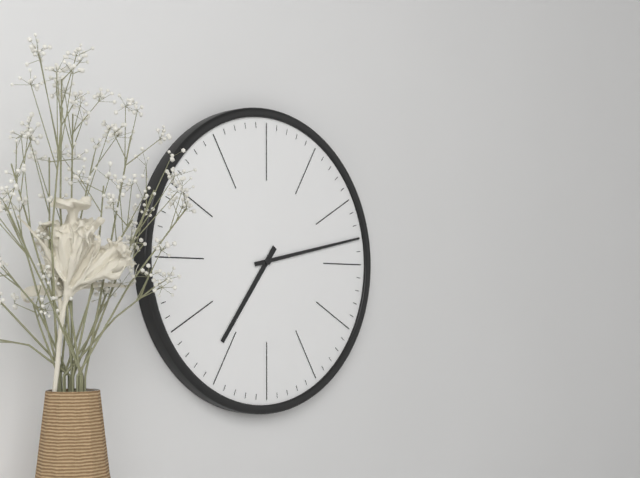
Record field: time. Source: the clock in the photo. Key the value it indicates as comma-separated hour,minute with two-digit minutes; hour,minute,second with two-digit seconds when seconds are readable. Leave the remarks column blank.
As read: 7,13
